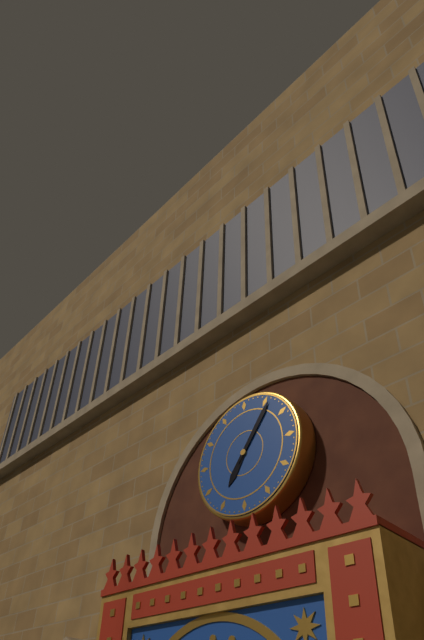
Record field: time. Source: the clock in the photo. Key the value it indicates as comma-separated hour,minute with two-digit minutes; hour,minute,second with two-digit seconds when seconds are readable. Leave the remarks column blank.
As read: 7,06
